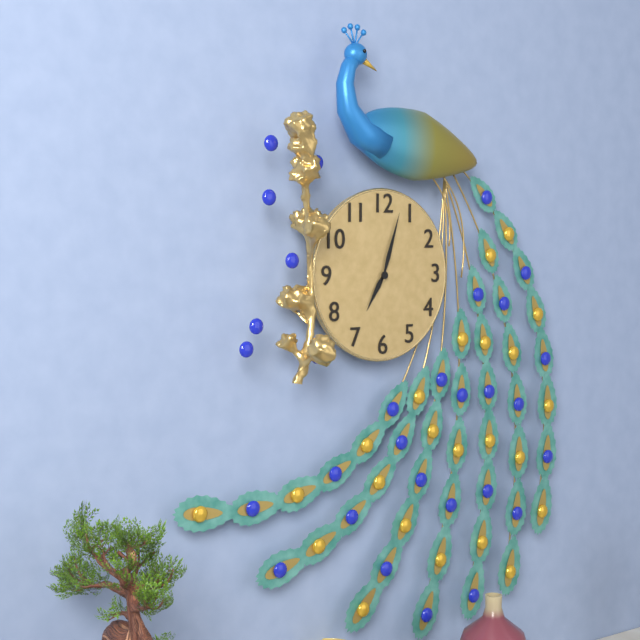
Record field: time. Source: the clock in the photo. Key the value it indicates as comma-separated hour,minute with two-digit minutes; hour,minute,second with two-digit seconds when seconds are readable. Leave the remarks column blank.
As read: 7,03
